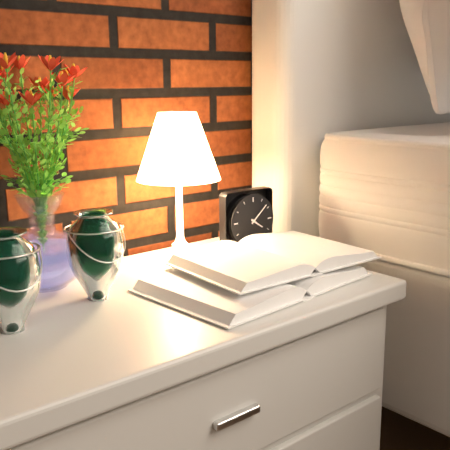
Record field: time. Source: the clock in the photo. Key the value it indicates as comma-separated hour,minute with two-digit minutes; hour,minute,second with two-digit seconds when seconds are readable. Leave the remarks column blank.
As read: 4,08
